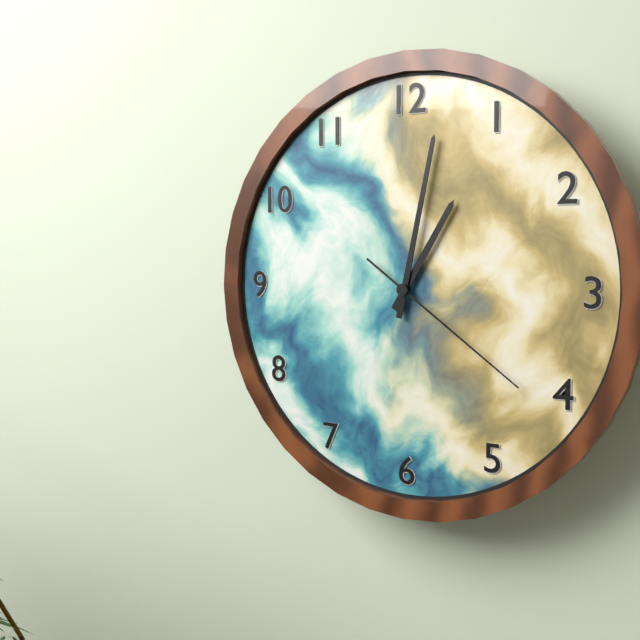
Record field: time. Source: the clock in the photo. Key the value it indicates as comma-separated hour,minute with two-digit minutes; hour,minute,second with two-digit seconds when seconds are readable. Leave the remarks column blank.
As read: 1,02,21
